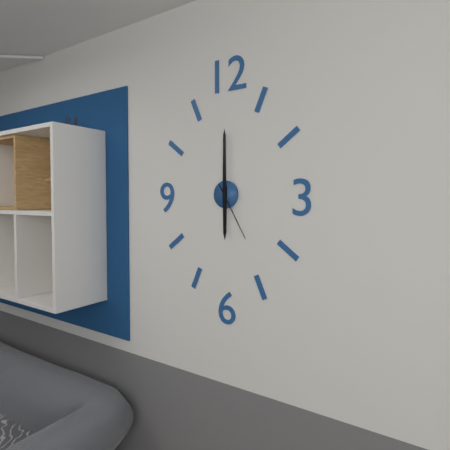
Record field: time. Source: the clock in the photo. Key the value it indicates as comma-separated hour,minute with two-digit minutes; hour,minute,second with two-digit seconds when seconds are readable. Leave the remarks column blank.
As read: 6,00,25
